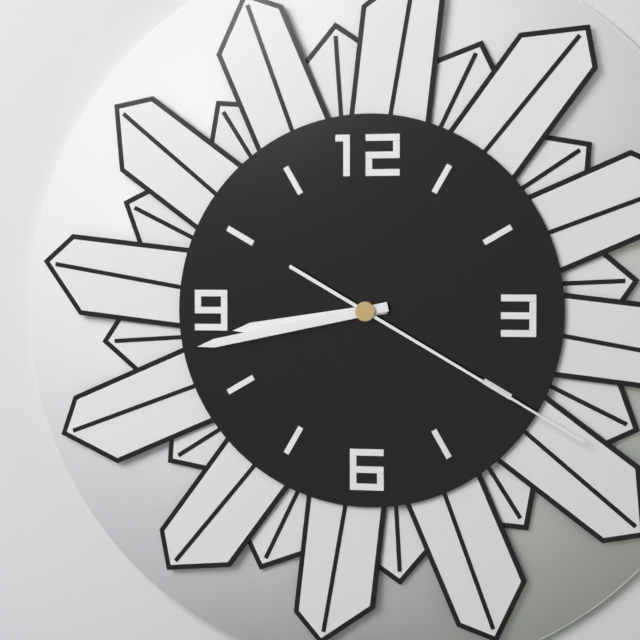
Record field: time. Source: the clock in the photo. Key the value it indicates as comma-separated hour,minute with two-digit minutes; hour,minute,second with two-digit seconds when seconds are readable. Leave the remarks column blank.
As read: 8,43,20
